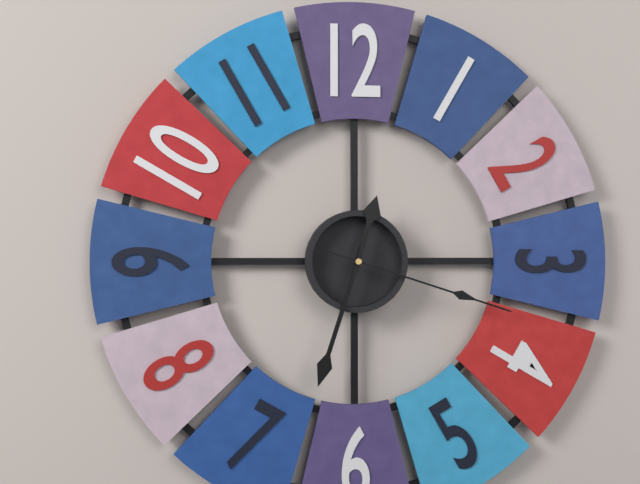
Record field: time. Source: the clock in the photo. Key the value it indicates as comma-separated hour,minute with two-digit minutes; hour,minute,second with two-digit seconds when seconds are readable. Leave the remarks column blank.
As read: 12,33,18
